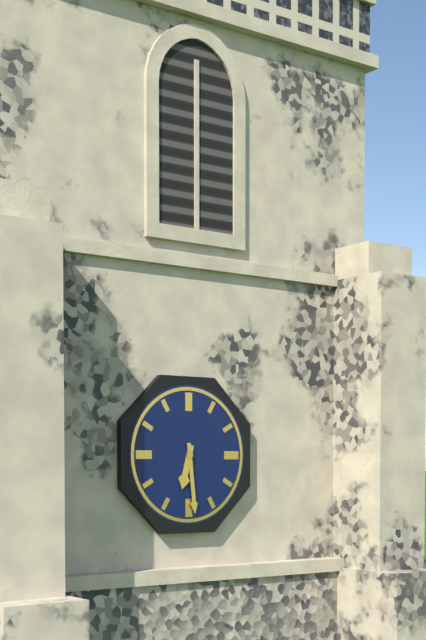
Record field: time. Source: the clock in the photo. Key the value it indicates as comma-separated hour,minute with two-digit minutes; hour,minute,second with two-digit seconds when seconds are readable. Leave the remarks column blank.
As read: 6,29
